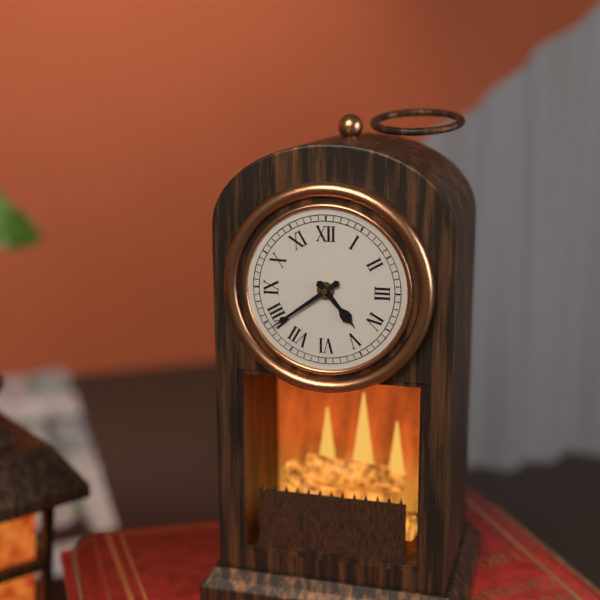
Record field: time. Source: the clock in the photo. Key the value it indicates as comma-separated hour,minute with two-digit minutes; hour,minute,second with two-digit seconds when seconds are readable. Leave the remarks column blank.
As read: 4,39
